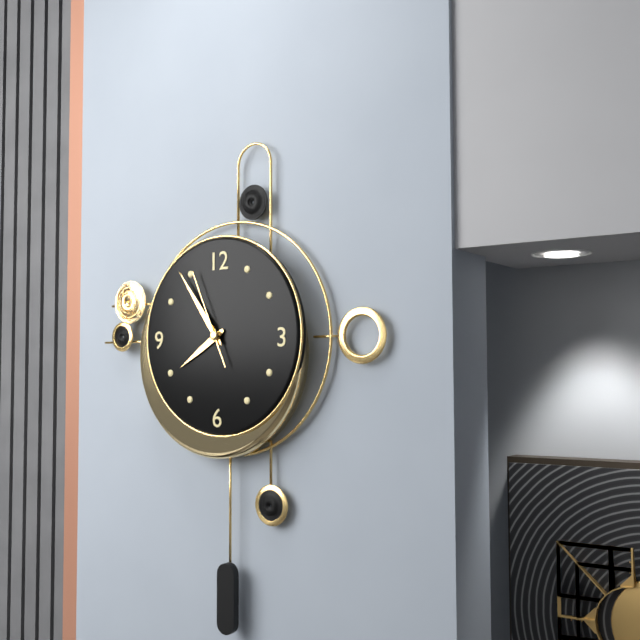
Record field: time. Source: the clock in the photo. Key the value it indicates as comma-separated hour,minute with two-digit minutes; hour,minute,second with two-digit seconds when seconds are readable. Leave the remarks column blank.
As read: 7,54,56
